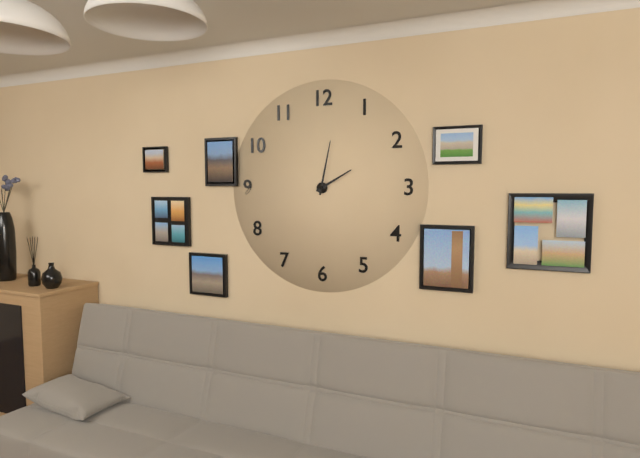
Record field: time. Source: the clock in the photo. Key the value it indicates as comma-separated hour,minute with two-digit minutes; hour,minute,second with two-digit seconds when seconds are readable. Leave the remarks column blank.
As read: 2,02
